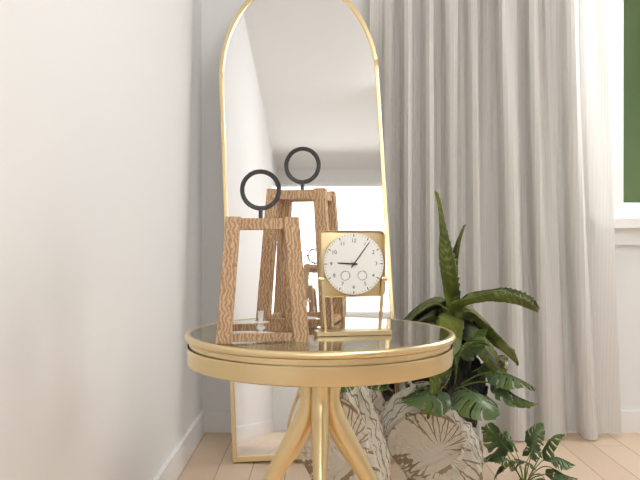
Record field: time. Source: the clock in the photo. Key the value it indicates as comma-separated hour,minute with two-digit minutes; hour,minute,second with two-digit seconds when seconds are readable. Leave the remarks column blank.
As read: 9,06
